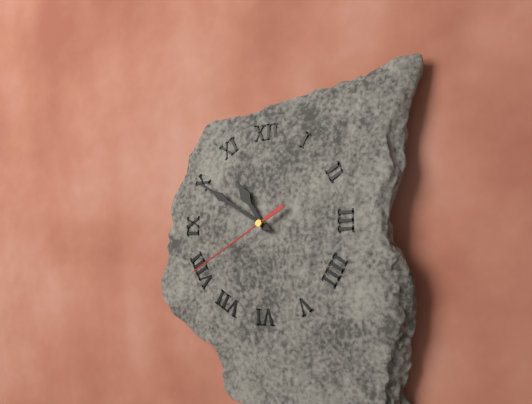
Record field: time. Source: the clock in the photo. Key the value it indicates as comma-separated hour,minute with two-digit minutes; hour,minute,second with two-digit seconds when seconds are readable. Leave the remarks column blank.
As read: 10,50,40
